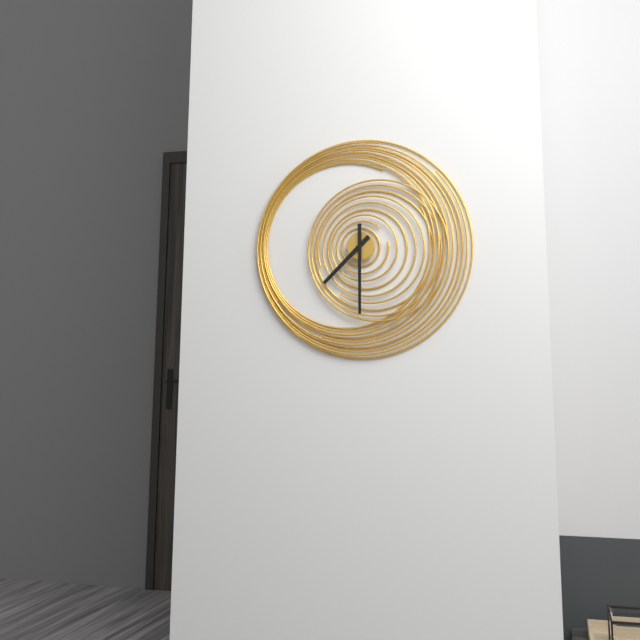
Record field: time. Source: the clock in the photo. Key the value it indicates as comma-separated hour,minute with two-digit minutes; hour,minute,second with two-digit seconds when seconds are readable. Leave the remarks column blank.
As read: 7,30
